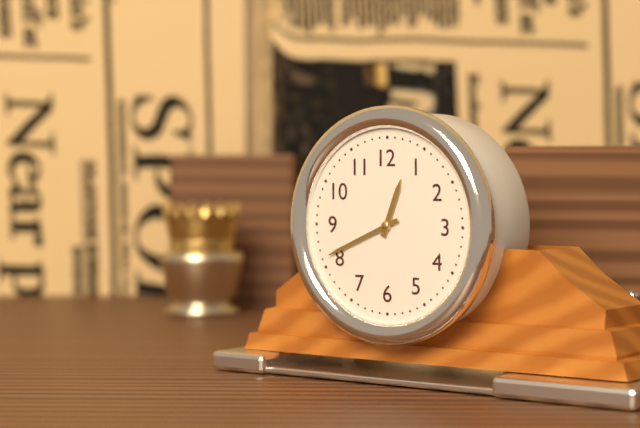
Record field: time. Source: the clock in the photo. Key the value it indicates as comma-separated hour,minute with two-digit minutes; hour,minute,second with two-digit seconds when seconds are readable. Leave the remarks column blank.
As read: 12,41
